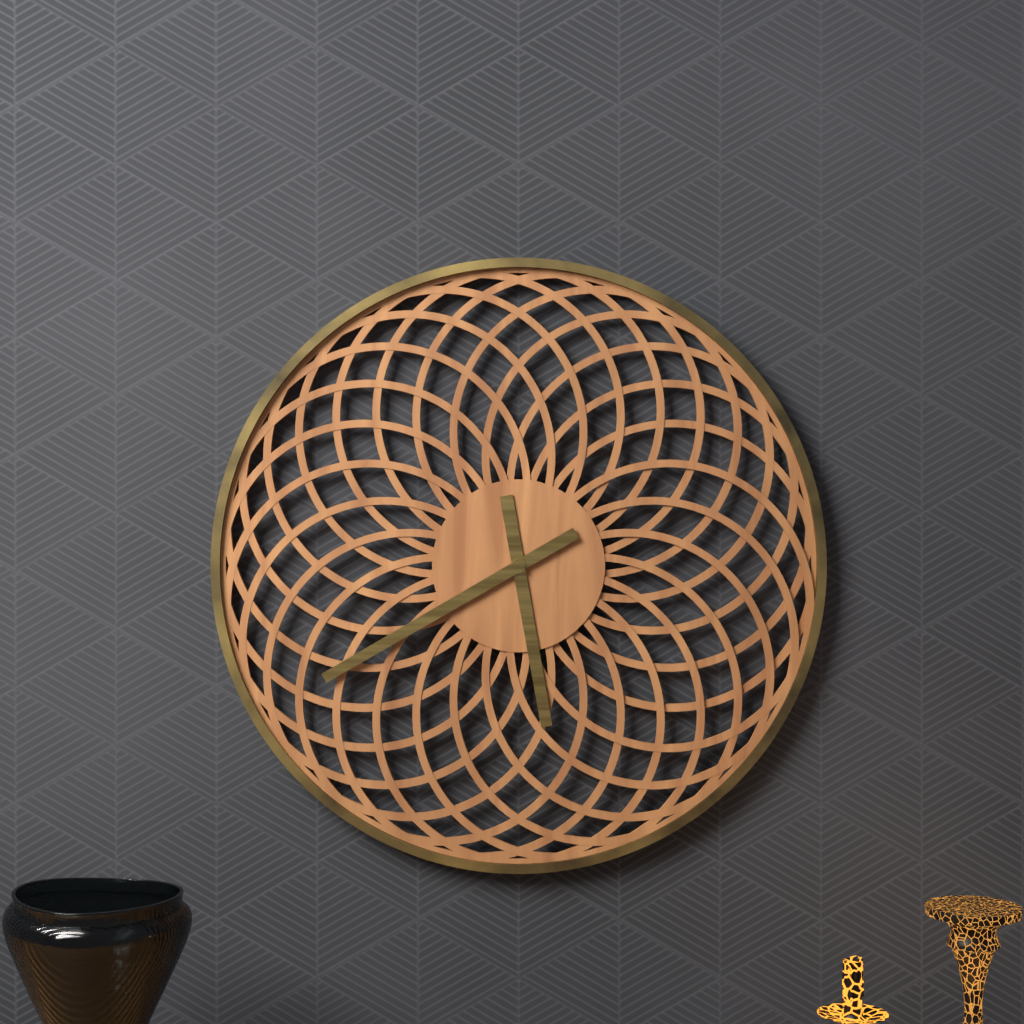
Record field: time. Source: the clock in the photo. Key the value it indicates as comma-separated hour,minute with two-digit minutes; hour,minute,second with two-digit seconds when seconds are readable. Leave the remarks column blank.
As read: 5,40
